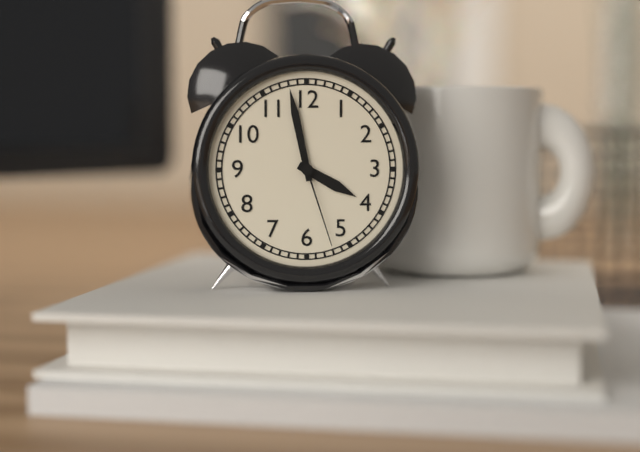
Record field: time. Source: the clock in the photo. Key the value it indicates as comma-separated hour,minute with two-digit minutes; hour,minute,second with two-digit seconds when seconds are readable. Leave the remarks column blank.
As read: 3,58,27
